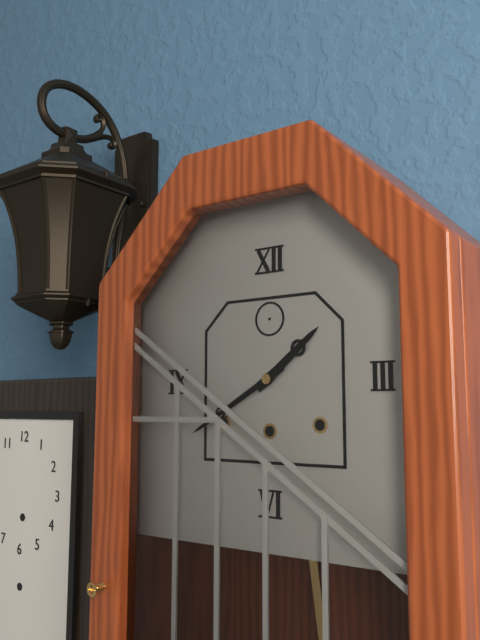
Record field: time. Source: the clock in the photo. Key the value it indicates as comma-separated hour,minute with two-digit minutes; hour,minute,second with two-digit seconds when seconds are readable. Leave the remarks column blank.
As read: 1,40
